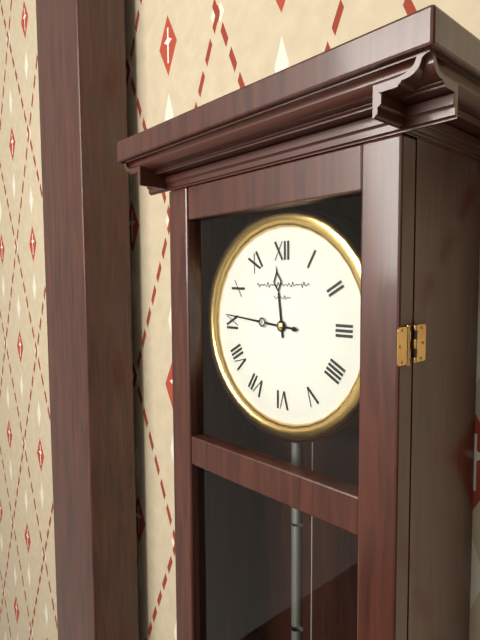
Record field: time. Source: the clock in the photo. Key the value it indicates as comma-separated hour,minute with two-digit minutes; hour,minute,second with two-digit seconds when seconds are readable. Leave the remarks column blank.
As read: 11,46
